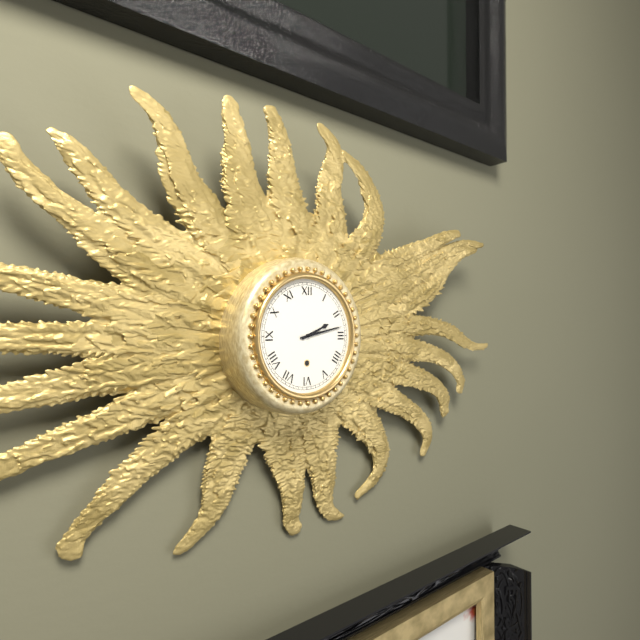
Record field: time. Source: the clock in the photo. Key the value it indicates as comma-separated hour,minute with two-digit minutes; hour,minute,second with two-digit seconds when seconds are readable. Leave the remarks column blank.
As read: 2,13
